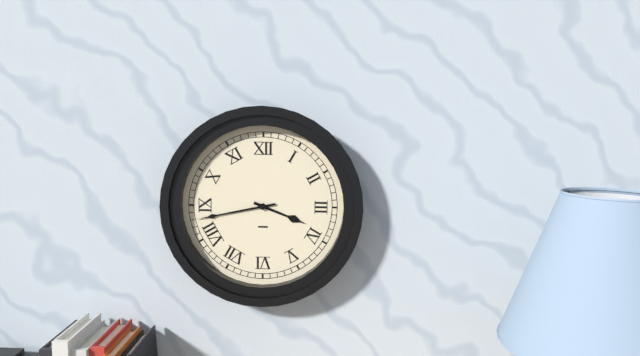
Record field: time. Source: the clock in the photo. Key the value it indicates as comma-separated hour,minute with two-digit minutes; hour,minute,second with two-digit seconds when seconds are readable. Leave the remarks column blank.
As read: 3,43
